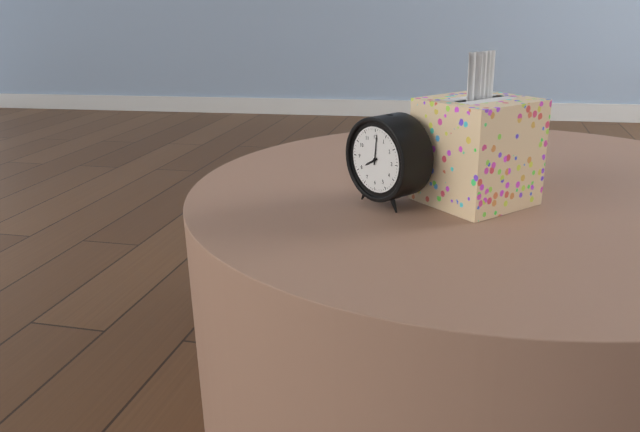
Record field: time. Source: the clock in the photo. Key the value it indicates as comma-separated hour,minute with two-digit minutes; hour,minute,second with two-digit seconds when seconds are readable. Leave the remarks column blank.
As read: 8,01
